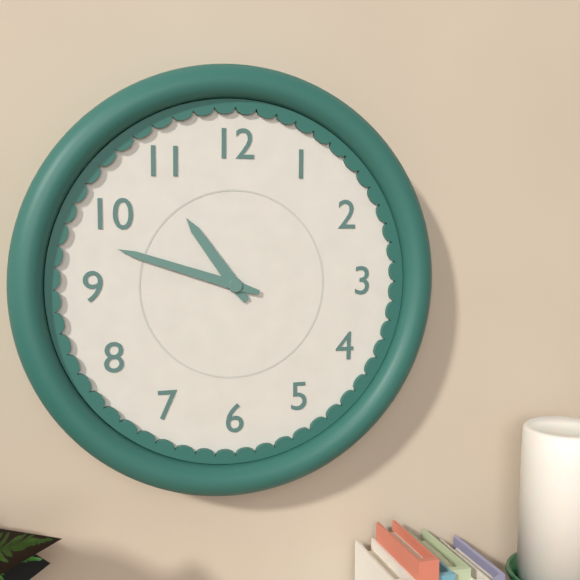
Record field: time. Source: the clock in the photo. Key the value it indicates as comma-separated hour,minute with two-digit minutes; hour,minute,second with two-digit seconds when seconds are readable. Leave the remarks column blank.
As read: 10,48
